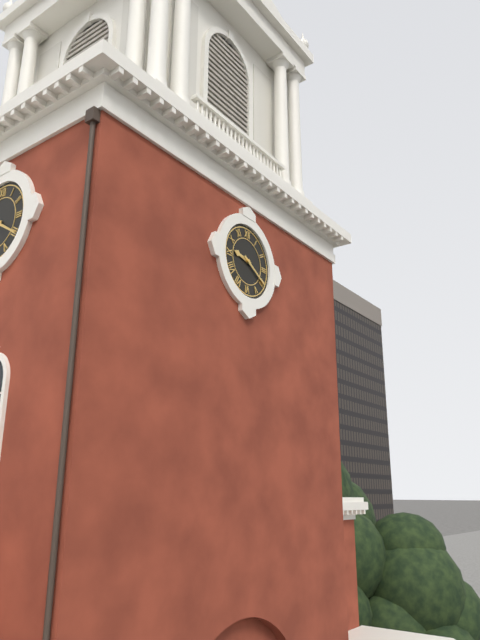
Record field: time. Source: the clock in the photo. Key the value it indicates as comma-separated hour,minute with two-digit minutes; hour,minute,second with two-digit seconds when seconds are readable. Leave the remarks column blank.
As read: 9,20
